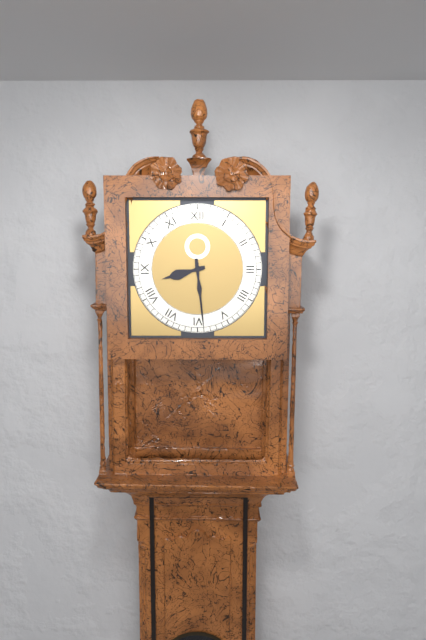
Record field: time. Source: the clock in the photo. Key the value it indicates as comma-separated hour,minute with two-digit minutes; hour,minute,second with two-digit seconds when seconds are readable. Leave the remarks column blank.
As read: 8,29
